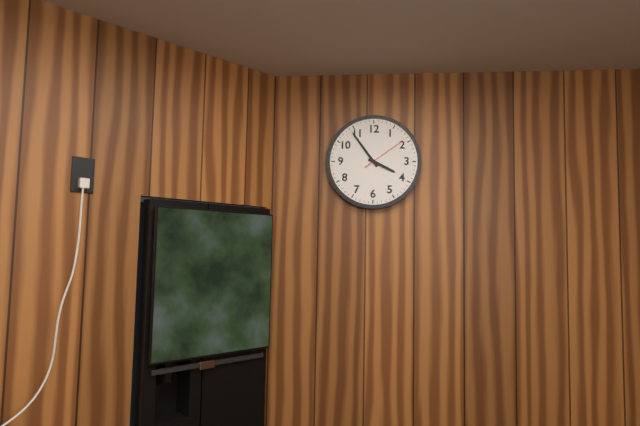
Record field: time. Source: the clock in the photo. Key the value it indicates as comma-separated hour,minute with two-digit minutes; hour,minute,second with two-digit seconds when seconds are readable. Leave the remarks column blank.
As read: 3,54,09
